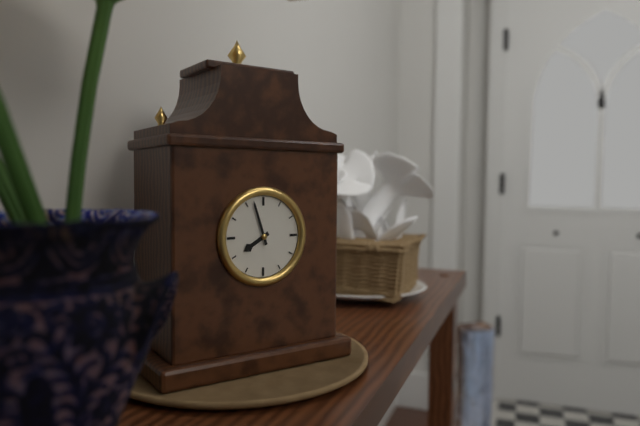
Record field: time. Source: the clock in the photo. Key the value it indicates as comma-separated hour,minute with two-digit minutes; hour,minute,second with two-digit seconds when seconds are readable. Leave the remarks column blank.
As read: 7,57
